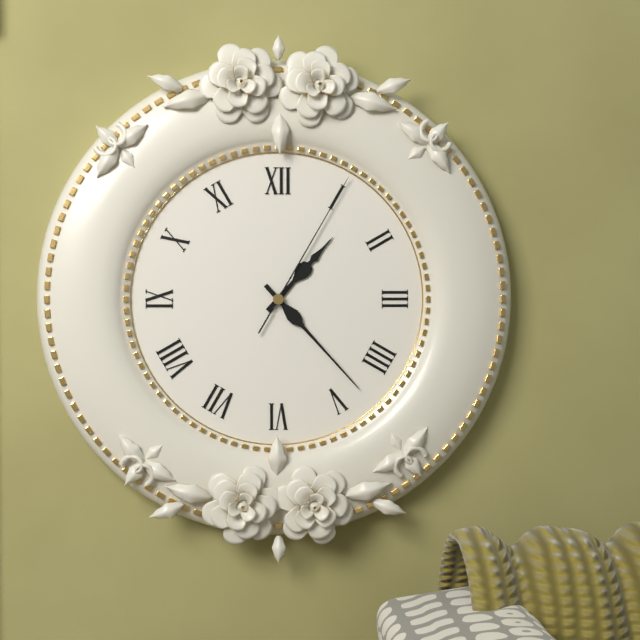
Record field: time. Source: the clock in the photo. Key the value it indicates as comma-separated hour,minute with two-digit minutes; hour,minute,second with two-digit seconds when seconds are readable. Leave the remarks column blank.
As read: 1,23,05
